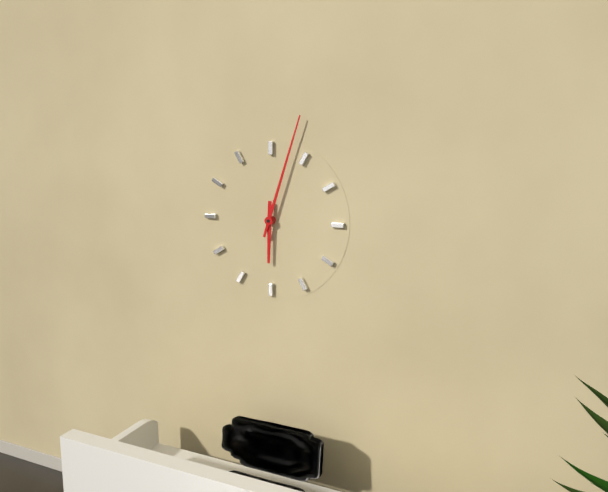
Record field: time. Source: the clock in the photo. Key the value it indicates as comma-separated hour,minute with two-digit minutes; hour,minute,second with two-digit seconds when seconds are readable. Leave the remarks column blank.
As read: 6,03
